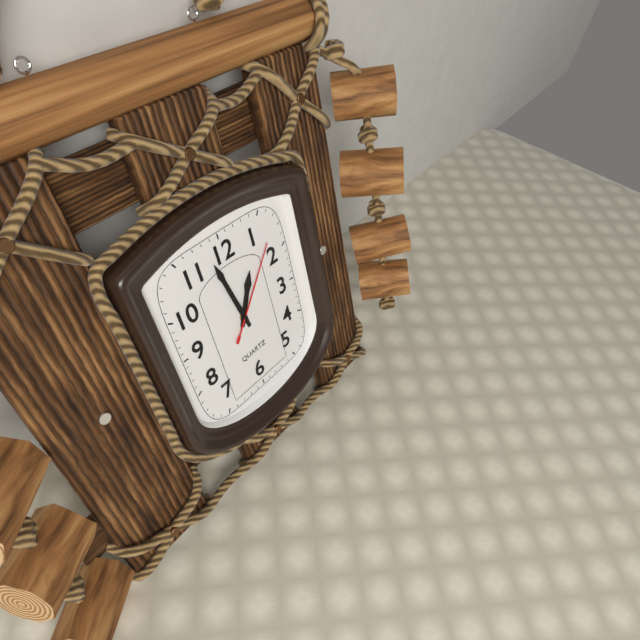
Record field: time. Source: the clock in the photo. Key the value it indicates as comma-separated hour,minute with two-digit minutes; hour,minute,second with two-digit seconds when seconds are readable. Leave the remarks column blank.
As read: 12,58,07
